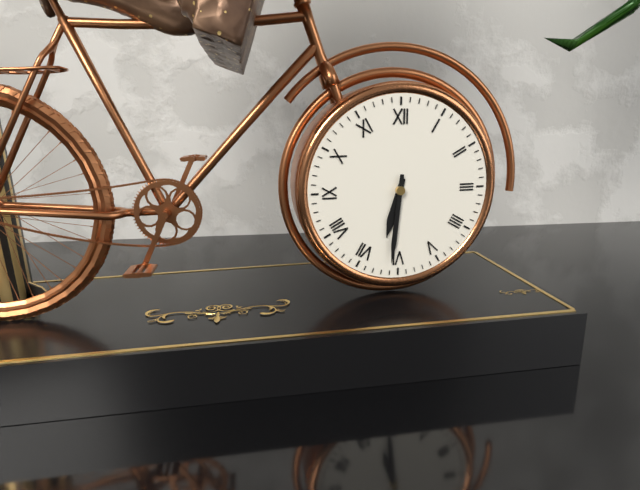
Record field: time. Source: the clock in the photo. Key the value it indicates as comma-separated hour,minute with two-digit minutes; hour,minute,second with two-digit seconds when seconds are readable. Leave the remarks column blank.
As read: 6,31
